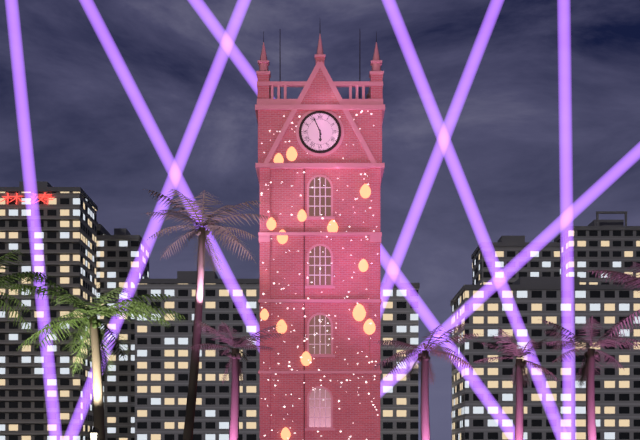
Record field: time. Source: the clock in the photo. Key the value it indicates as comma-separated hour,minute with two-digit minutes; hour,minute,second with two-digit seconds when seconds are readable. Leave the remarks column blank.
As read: 5,56
